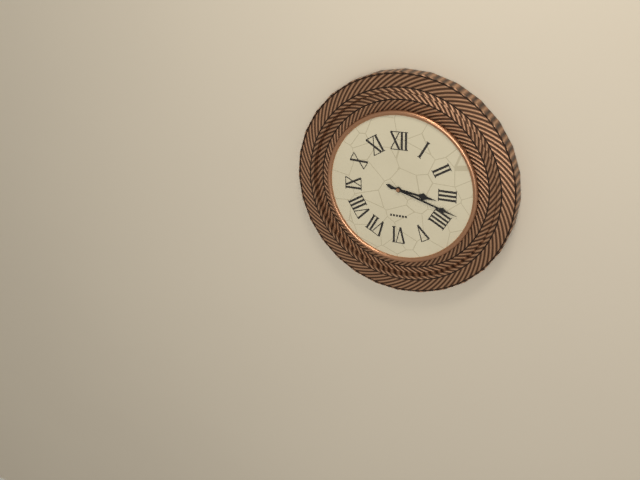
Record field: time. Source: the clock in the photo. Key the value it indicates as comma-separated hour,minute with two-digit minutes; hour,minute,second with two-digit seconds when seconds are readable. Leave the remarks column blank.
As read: 3,18
